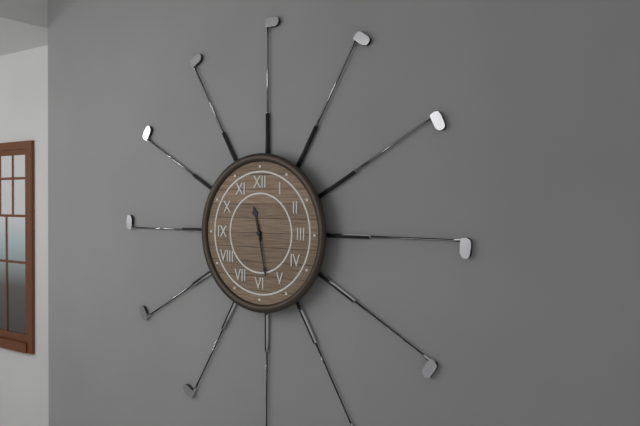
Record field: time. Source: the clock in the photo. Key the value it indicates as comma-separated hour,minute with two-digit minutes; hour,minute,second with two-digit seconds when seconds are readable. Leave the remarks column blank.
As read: 11,28
